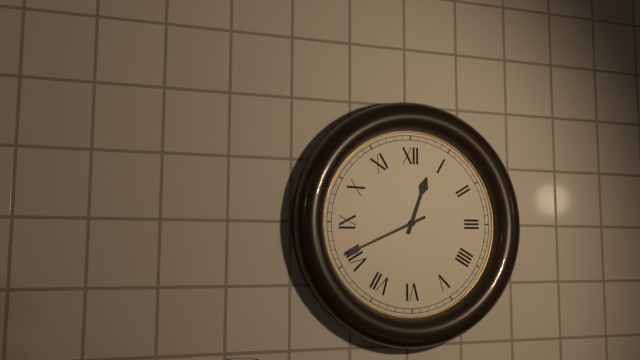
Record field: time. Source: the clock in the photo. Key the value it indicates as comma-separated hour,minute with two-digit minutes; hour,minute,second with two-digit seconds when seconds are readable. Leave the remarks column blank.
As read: 12,41
